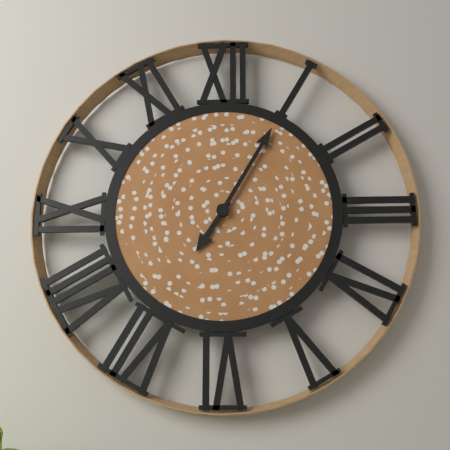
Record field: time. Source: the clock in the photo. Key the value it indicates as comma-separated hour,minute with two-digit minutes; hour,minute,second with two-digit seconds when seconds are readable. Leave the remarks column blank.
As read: 7,05
